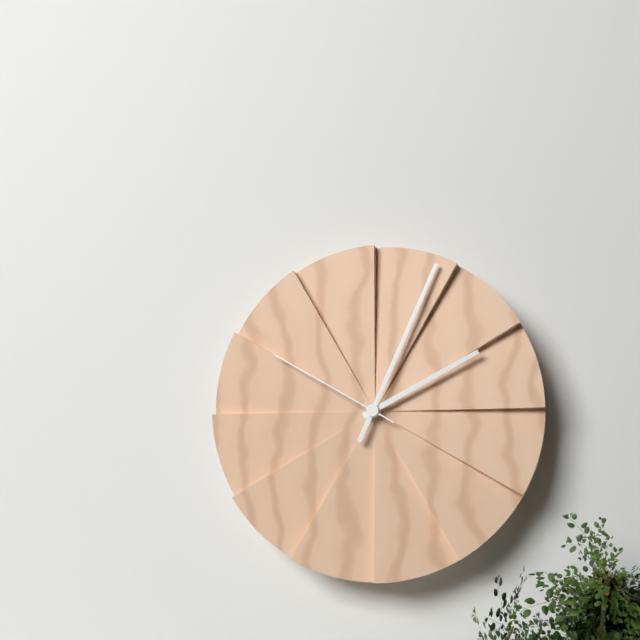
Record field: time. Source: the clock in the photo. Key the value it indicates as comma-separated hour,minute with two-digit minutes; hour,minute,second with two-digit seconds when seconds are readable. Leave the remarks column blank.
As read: 2,04,50
